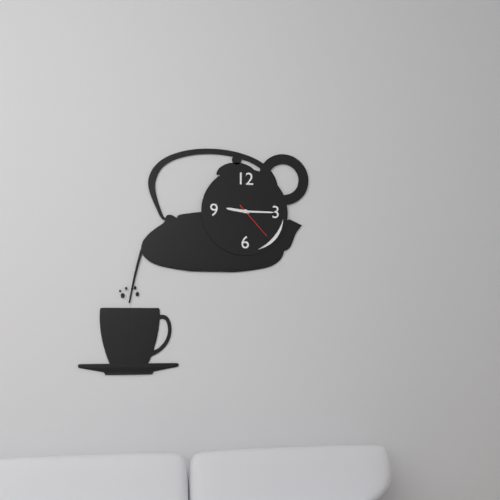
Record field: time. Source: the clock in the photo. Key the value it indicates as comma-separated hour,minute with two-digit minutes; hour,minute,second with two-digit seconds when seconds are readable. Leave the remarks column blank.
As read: 9,15
